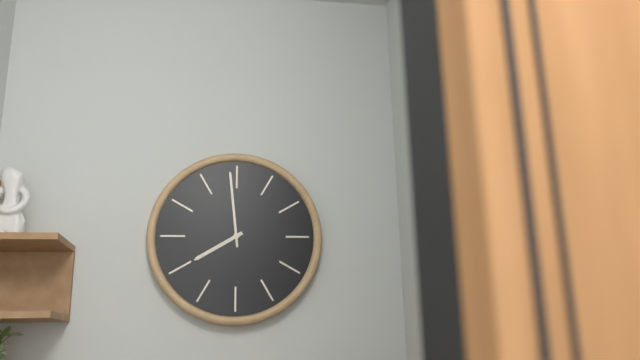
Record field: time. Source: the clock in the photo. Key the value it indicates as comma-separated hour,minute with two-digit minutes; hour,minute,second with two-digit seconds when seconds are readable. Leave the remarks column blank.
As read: 7,59
